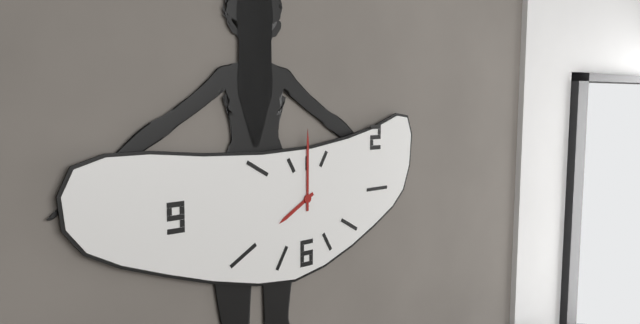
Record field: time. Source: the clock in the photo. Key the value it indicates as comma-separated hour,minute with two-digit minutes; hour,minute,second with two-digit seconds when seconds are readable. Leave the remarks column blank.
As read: 8,00
